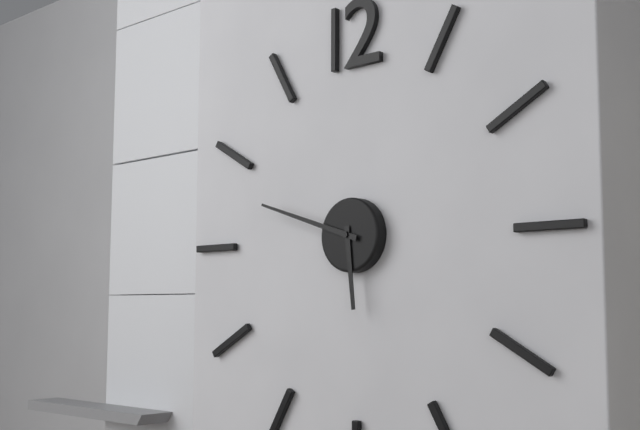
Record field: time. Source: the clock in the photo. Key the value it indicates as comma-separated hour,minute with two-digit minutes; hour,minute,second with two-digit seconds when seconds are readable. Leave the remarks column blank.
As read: 5,48
